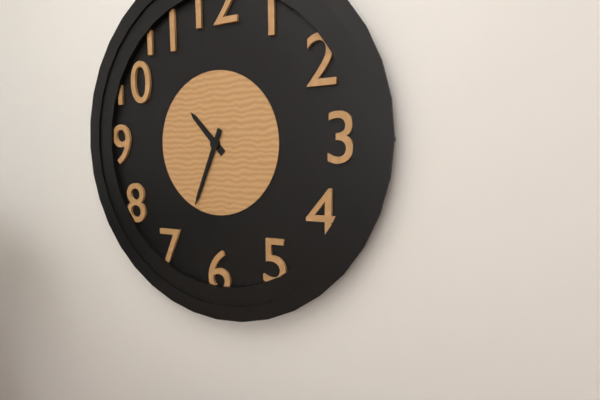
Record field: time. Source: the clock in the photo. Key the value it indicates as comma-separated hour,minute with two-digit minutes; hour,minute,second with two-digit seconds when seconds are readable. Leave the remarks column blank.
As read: 10,34
